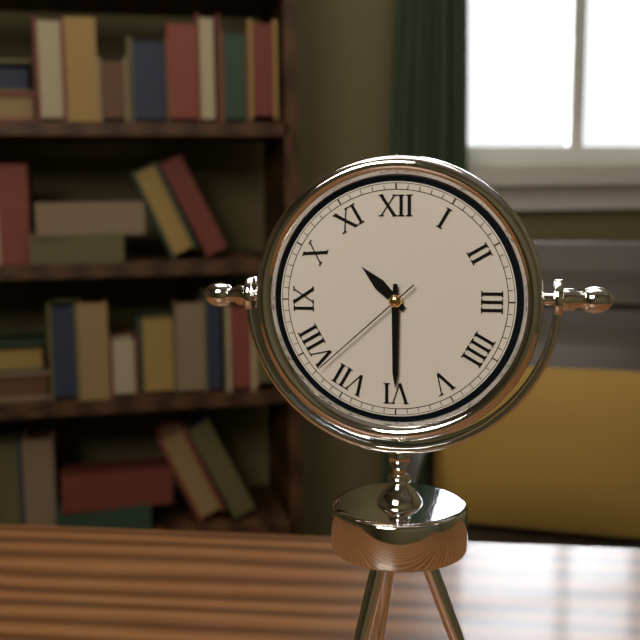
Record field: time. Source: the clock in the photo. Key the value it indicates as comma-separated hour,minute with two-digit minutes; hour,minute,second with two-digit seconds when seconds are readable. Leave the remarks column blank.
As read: 10,30,38
